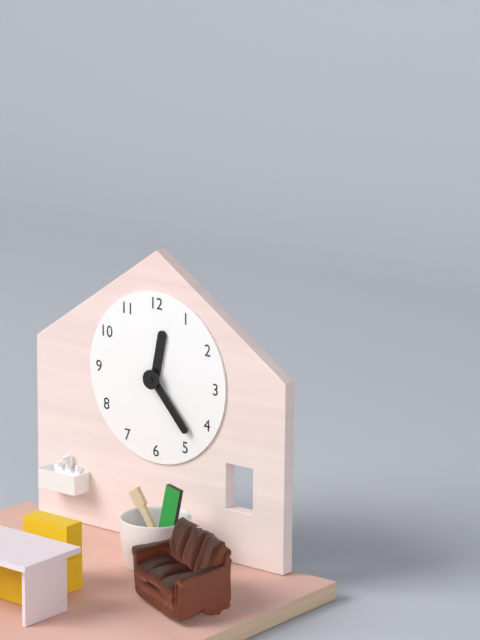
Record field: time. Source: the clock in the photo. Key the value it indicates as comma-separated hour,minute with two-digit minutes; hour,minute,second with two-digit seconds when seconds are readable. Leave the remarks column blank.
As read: 12,23
